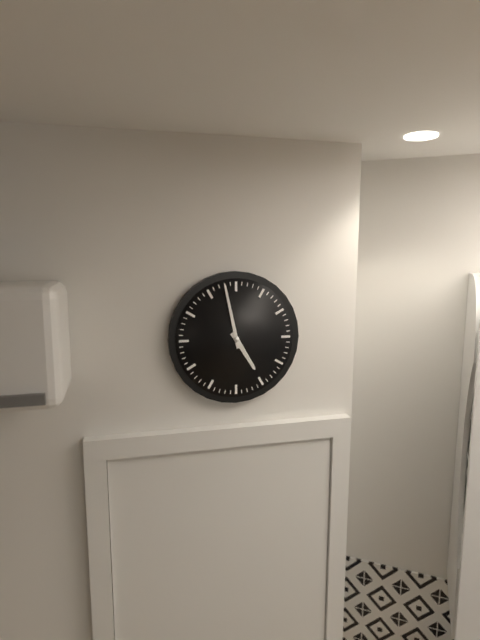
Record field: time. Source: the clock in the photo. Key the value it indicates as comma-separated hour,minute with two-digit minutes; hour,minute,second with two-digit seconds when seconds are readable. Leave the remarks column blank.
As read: 4,58
